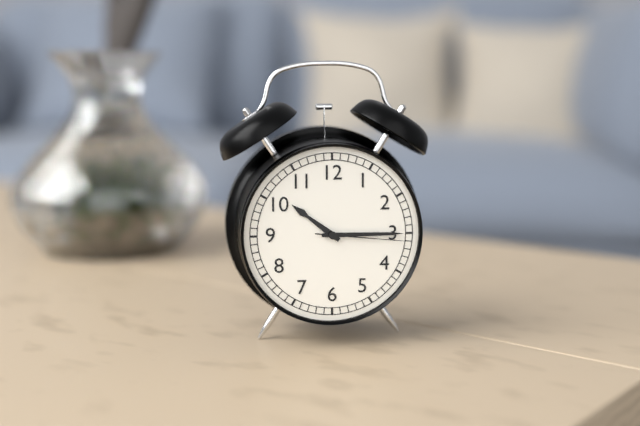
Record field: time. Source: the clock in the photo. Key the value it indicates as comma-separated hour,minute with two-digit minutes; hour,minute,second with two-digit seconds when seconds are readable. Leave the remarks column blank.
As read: 10,15,16
